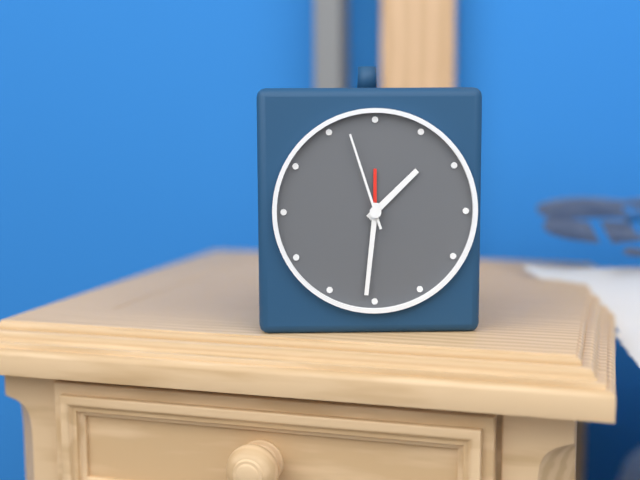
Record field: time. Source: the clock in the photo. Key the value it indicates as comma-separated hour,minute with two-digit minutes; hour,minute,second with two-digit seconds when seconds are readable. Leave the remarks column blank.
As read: 1,31,57
